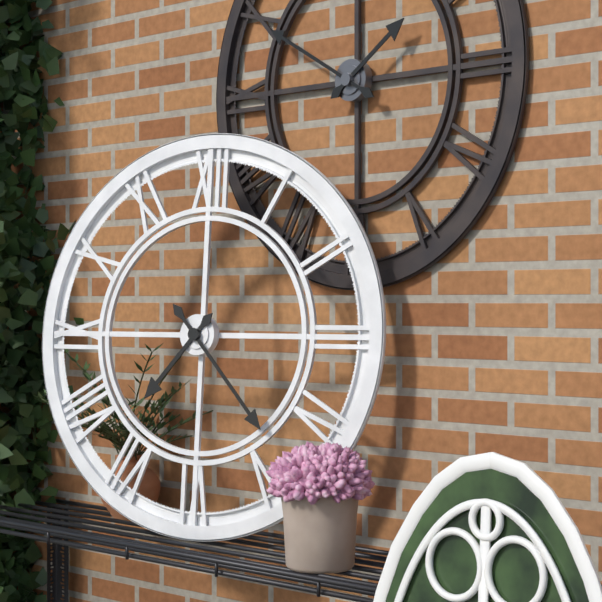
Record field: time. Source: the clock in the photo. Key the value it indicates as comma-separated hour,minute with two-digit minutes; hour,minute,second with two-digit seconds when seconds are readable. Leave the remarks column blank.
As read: 7,23
